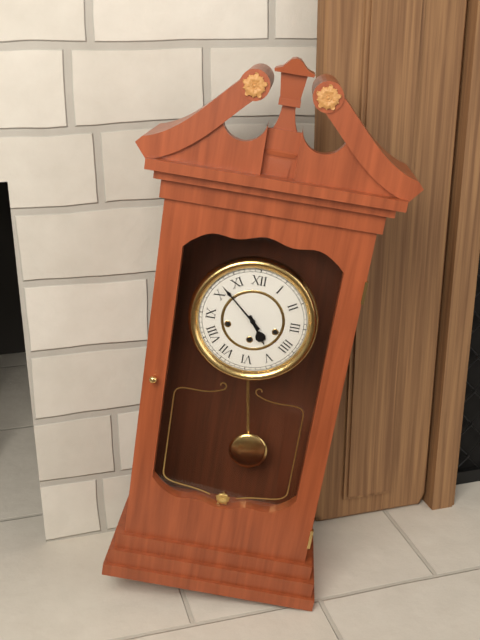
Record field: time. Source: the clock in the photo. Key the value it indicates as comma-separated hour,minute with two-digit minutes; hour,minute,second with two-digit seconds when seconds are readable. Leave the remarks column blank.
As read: 4,52
